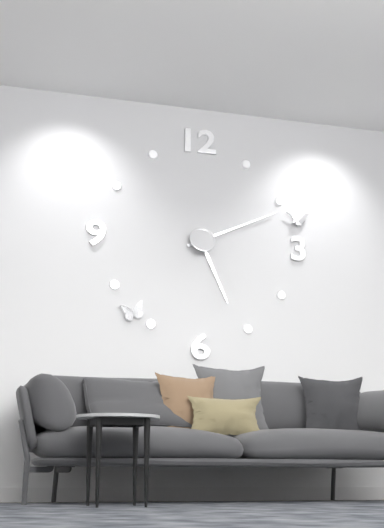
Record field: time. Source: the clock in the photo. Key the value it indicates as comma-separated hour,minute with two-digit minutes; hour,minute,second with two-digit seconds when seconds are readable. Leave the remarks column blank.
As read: 5,11
